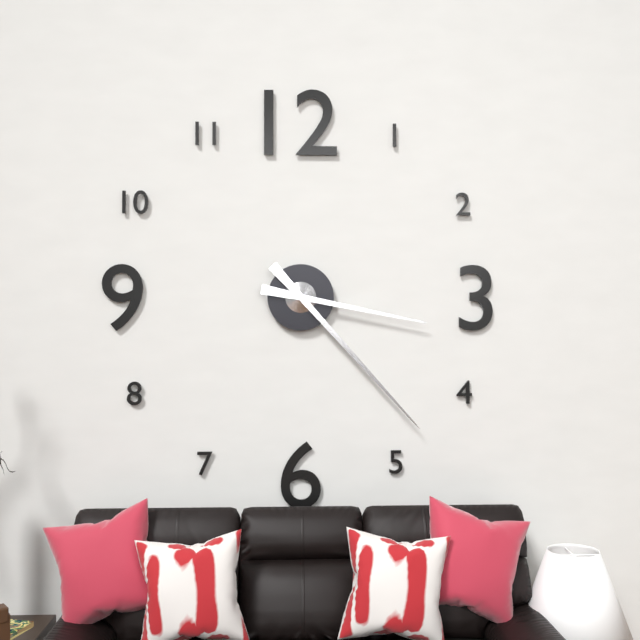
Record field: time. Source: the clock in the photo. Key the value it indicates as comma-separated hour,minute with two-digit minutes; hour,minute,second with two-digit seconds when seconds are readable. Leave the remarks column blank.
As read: 3,23
